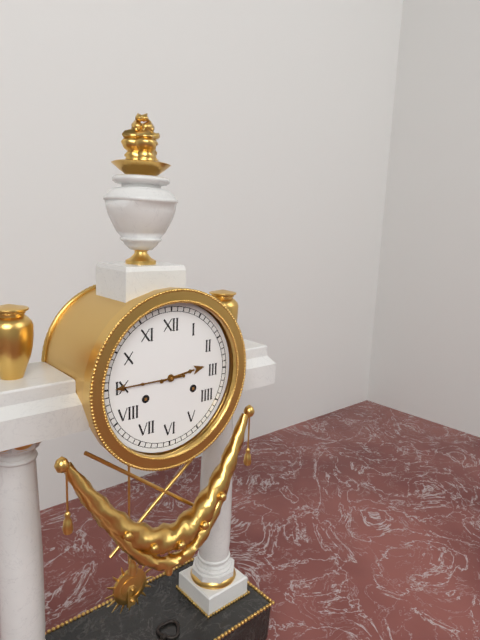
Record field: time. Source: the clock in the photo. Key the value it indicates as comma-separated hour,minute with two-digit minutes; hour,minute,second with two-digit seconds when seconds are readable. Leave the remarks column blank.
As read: 2,45
